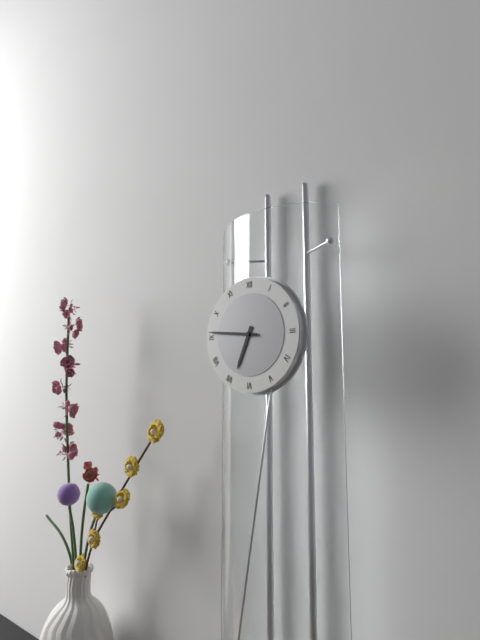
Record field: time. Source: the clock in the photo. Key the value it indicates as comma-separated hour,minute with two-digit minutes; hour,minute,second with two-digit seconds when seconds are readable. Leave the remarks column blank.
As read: 6,46
